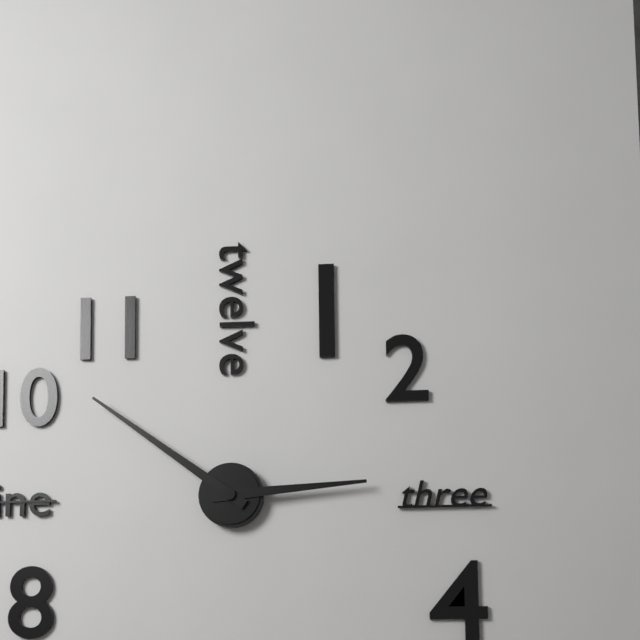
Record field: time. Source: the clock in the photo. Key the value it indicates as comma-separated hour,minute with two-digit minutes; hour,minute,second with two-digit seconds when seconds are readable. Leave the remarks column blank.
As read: 2,51
